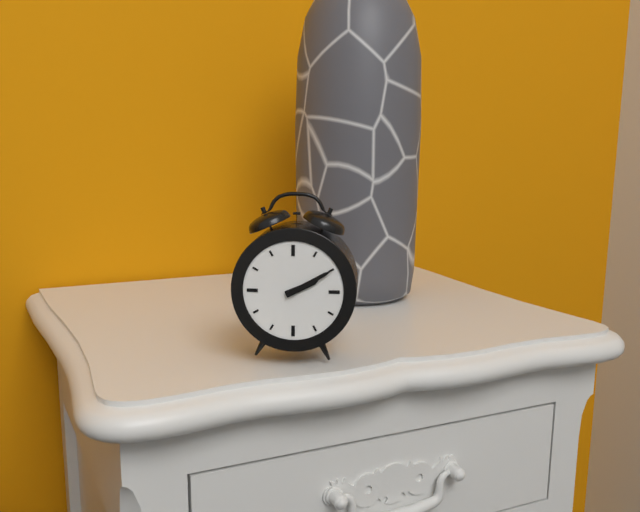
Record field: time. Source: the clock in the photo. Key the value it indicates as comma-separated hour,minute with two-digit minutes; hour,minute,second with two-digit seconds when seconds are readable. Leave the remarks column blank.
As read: 2,10
